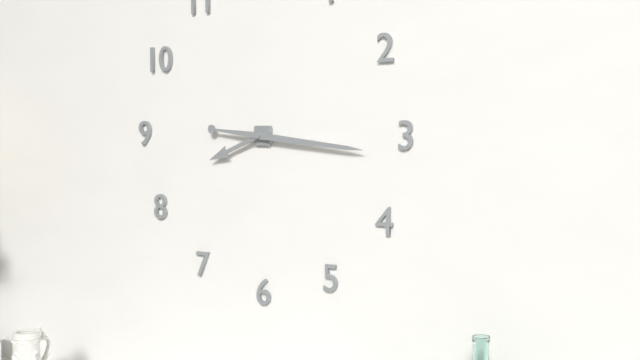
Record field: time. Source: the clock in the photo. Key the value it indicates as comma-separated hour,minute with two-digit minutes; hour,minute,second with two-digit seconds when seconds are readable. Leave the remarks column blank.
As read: 8,16
